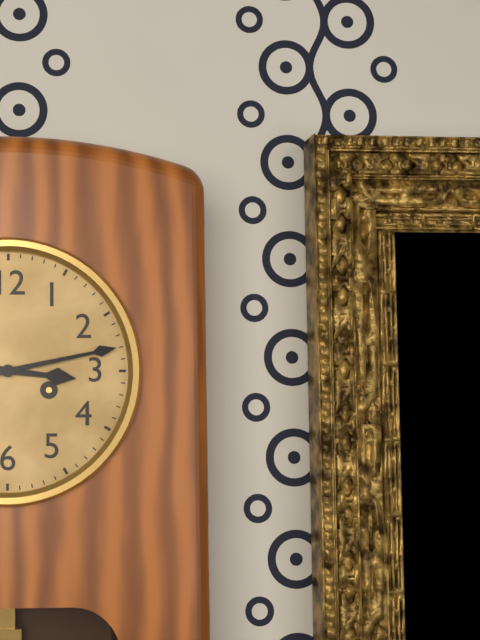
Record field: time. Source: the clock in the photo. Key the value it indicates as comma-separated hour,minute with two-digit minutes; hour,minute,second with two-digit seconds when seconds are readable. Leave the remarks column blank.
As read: 3,13
